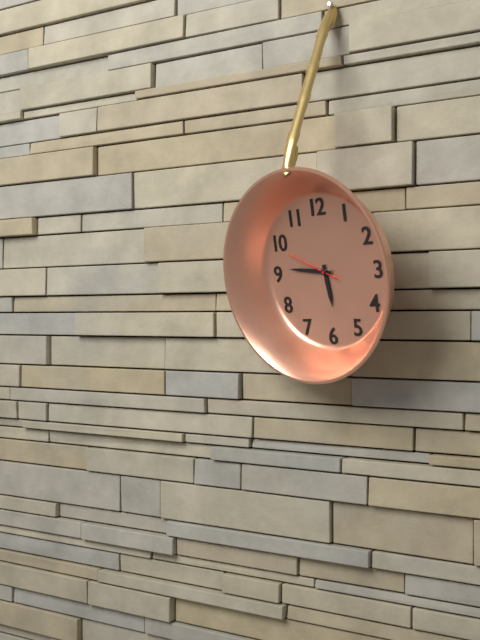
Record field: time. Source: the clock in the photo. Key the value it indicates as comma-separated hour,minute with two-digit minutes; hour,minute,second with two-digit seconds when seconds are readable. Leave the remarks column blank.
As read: 5,46,49
